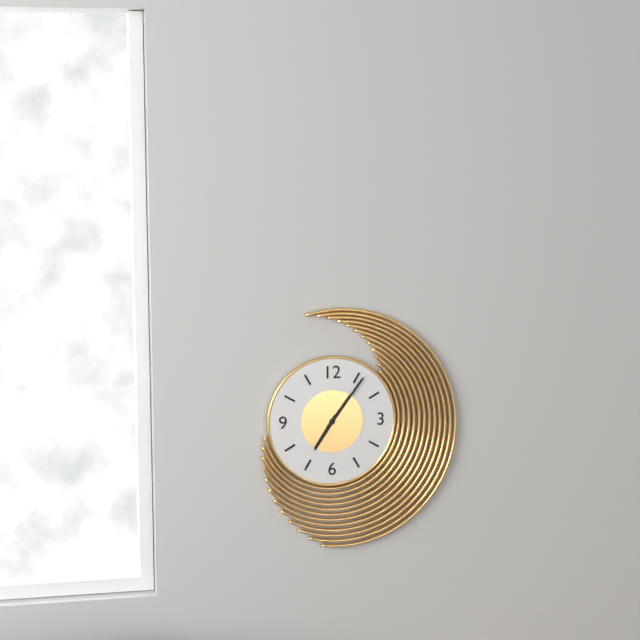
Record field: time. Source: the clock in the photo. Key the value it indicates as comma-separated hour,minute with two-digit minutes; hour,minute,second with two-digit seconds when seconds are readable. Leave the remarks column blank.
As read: 7,06
